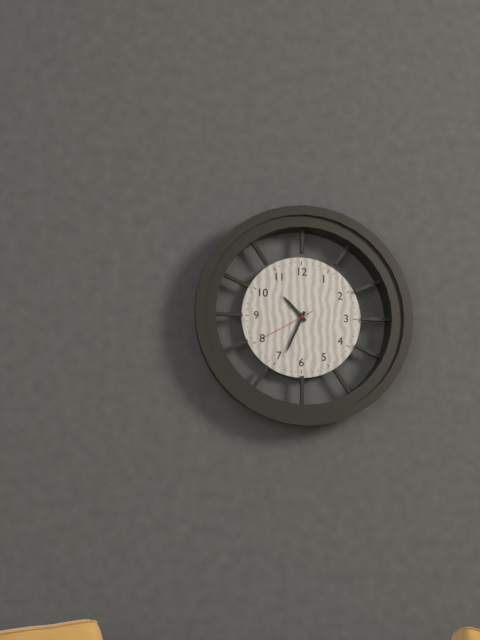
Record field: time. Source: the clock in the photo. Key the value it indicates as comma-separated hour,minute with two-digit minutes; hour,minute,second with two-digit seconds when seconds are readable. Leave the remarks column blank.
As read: 10,34,40
